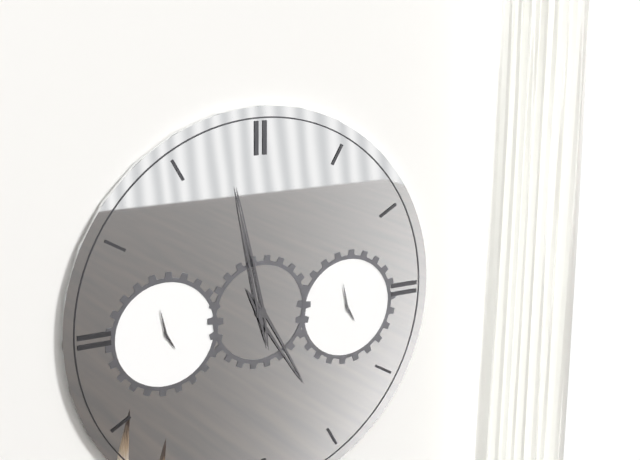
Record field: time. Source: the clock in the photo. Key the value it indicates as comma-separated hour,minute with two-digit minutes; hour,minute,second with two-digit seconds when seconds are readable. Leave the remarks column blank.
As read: 4,58
